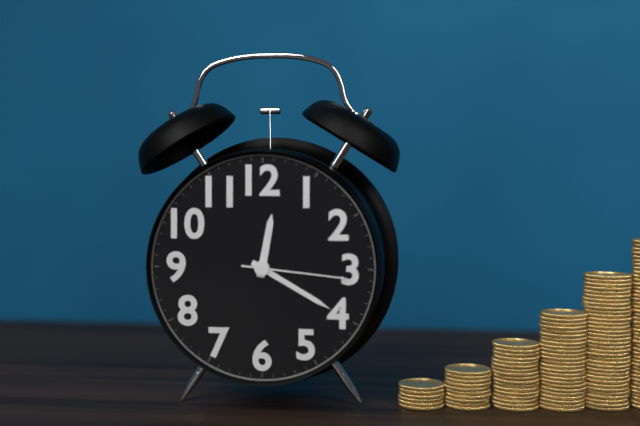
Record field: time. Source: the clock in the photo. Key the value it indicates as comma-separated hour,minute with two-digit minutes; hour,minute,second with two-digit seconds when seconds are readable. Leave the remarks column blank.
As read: 12,20,16
